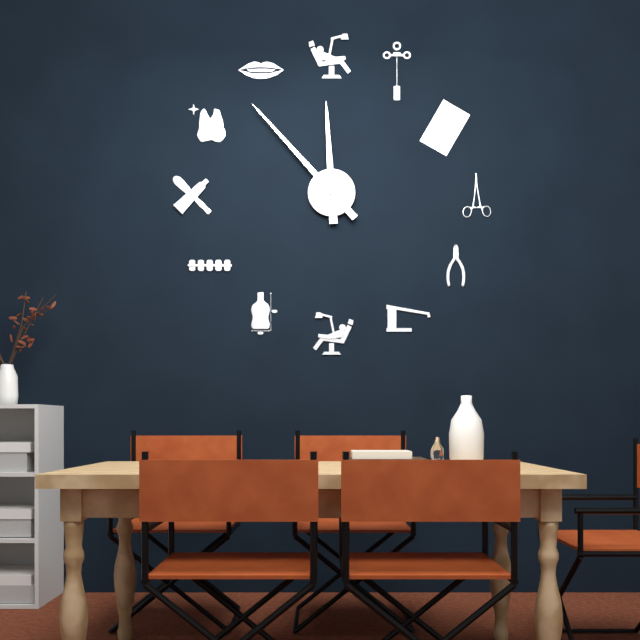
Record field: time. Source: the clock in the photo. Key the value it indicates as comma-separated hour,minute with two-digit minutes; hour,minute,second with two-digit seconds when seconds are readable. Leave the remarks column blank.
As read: 11,53
